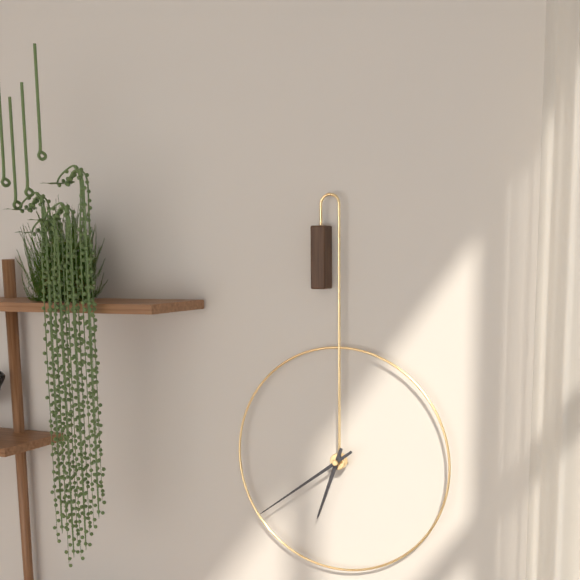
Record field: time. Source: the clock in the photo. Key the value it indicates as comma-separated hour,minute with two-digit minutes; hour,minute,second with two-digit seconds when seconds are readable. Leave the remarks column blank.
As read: 6,39
